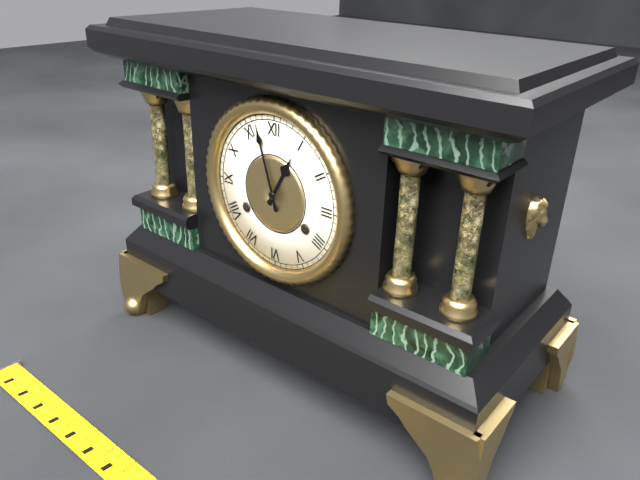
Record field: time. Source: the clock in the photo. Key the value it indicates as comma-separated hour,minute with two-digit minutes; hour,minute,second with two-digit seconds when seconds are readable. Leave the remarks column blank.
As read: 12,57
